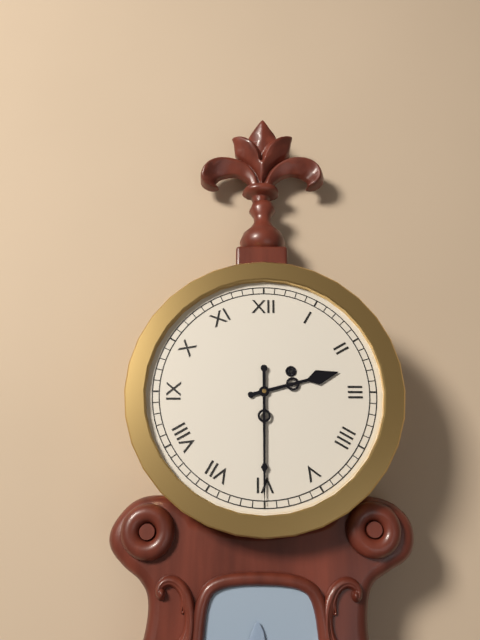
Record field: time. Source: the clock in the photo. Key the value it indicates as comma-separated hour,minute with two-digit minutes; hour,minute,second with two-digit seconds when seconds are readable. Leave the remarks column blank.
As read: 2,30
